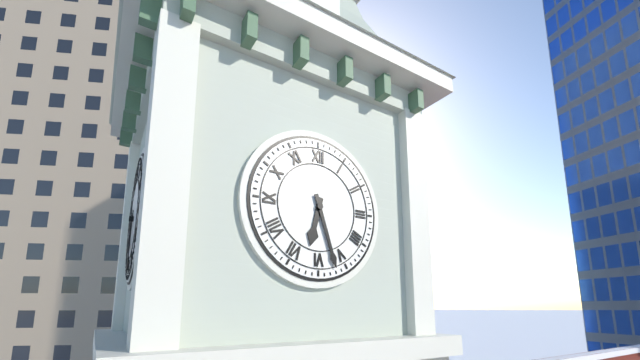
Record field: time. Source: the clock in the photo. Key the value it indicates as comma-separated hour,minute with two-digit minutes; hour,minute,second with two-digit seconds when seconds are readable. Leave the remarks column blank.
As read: 6,27
